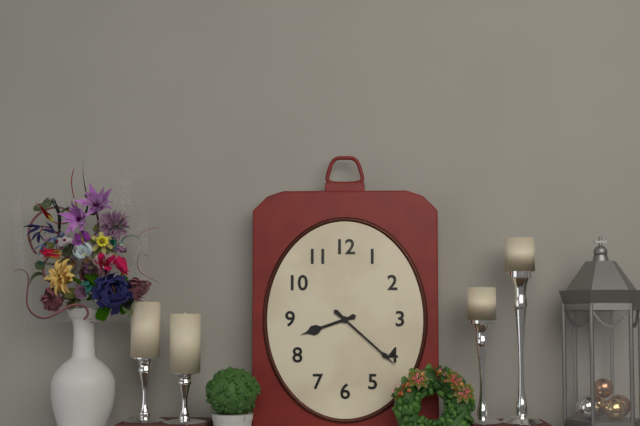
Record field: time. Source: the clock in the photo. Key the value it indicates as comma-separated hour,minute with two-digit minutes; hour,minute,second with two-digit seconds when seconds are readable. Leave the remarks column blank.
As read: 8,22
